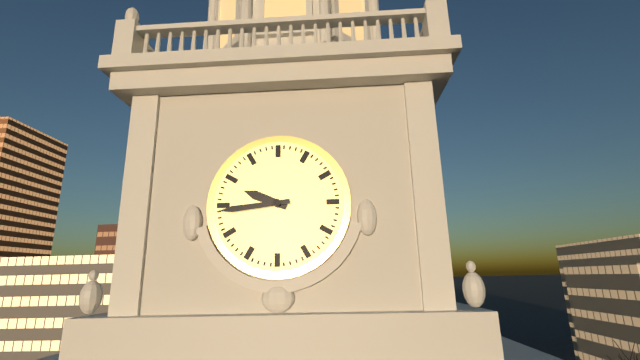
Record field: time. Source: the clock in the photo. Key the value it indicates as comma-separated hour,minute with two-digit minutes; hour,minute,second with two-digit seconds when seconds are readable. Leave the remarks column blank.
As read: 9,44
